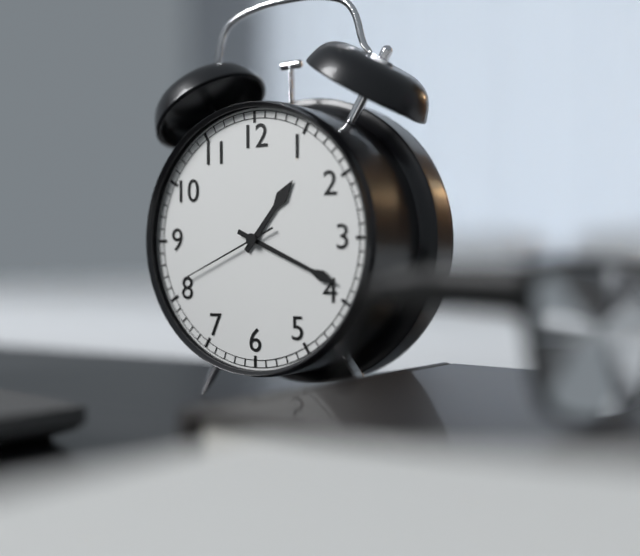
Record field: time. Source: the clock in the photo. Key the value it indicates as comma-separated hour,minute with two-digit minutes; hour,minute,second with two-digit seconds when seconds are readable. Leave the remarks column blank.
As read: 1,19,41
